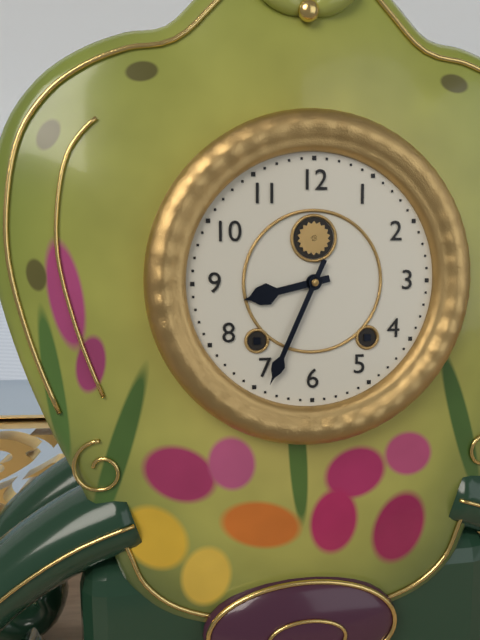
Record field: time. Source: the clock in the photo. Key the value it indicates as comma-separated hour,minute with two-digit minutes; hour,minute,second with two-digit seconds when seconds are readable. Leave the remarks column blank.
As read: 8,34
